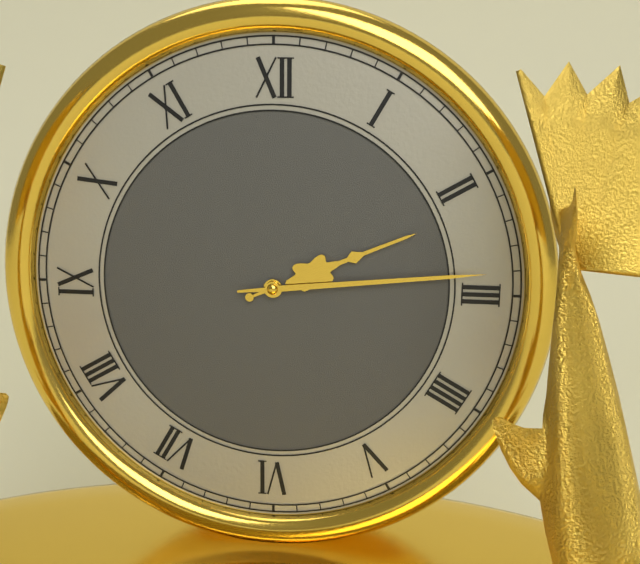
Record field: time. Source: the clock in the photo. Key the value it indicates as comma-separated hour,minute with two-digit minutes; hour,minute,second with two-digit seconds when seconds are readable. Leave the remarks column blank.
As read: 2,14
